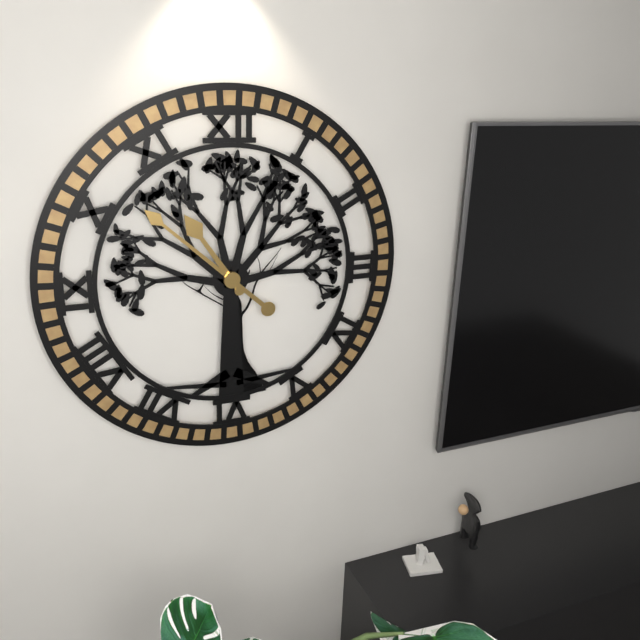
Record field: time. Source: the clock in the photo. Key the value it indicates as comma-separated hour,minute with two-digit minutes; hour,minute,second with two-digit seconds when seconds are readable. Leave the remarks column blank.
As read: 10,52
